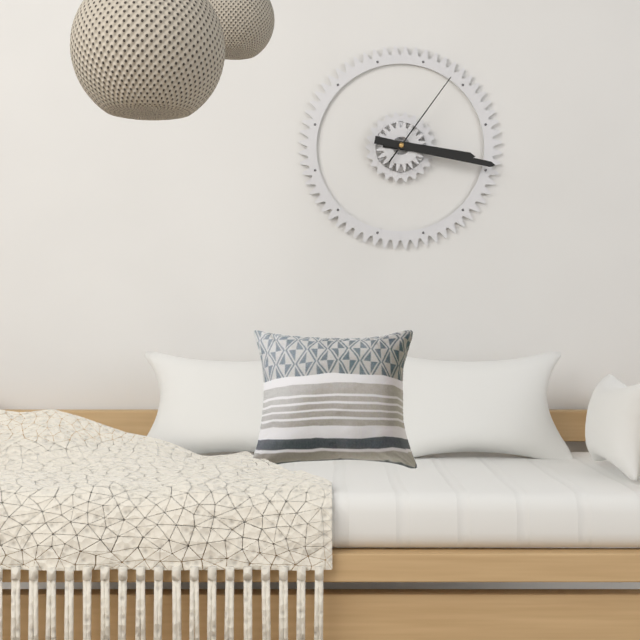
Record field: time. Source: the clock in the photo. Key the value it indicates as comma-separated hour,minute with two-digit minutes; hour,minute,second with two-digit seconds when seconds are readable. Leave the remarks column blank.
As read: 3,17,06
